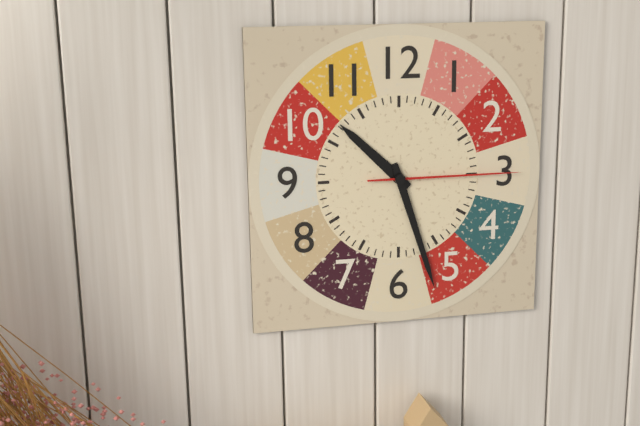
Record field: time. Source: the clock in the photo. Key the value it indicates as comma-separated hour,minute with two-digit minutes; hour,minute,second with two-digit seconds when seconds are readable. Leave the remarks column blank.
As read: 10,27,15
